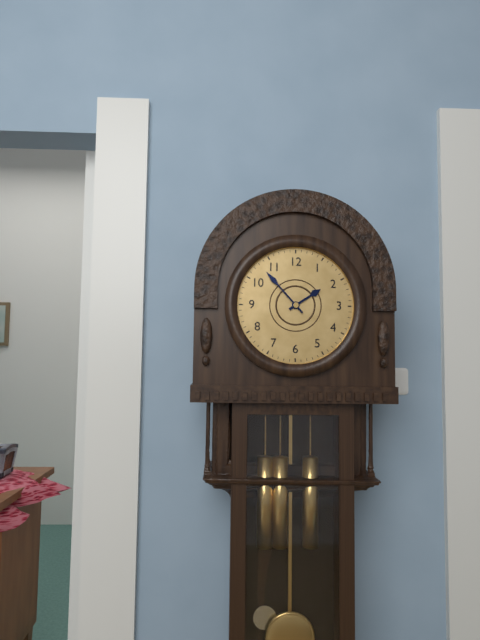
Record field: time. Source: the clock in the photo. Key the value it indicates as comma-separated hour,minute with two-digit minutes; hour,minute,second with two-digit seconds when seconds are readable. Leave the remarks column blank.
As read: 1,53
